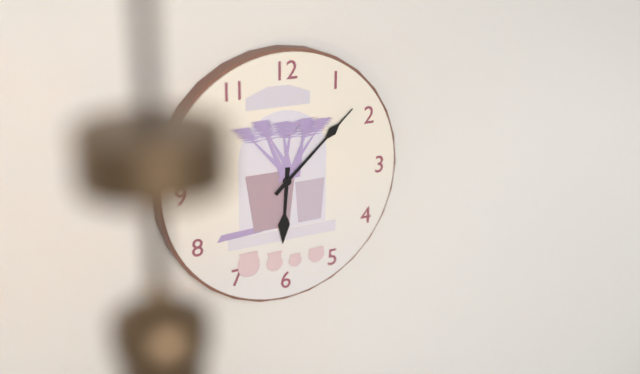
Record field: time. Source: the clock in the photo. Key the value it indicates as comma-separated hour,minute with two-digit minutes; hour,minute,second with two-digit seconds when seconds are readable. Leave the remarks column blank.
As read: 6,08
